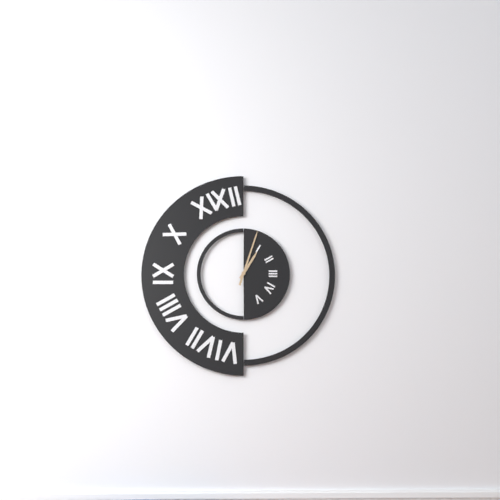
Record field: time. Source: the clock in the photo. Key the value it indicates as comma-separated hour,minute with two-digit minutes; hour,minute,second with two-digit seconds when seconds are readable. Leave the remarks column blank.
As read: 1,03
